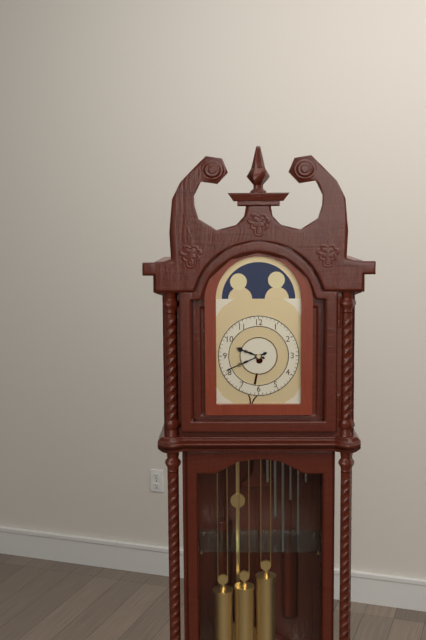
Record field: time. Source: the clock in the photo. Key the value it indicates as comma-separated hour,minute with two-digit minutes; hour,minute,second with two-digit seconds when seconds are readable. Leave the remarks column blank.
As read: 9,41
